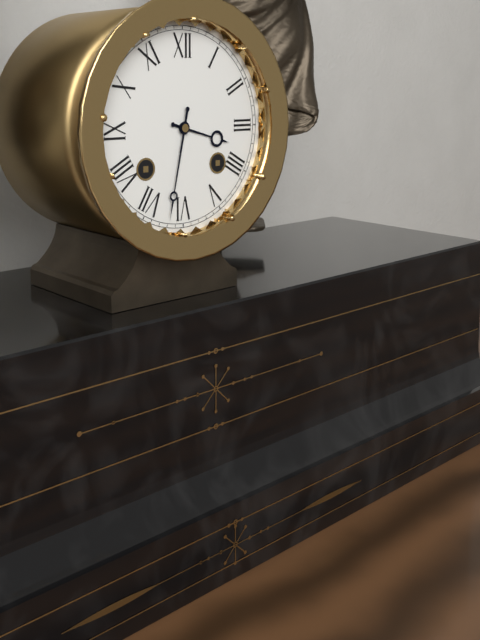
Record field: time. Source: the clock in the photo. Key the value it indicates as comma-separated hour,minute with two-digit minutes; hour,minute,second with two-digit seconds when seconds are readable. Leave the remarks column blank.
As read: 3,32
